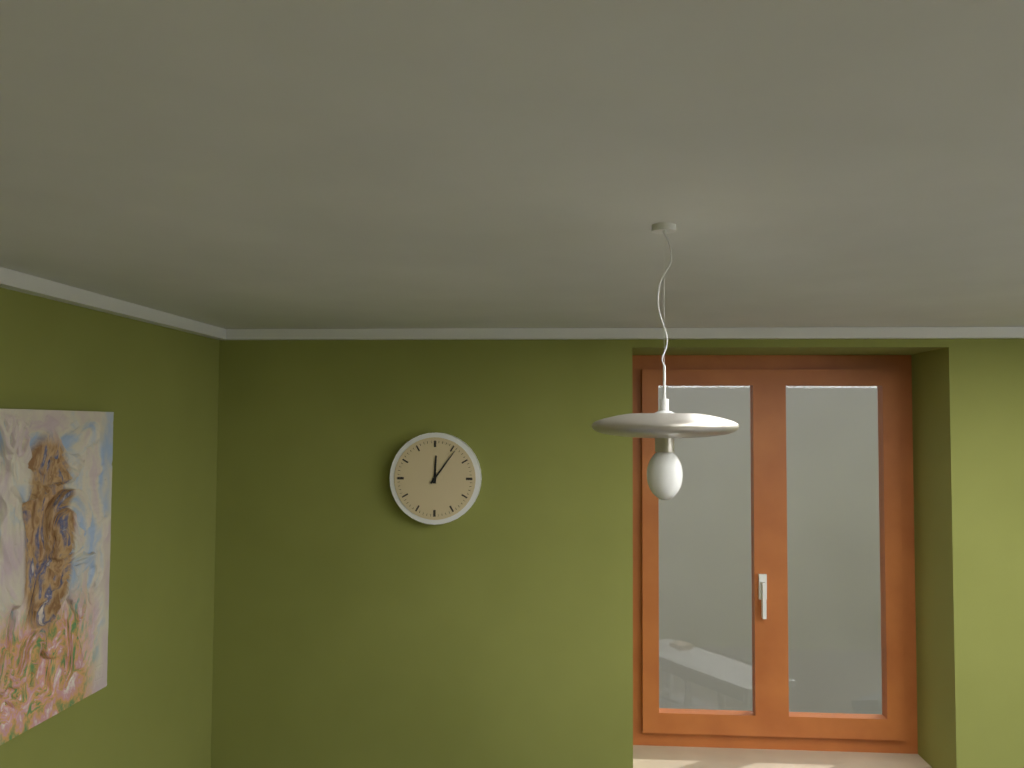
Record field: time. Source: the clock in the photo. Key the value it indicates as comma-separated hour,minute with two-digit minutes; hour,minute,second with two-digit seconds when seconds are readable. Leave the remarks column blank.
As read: 12,06
